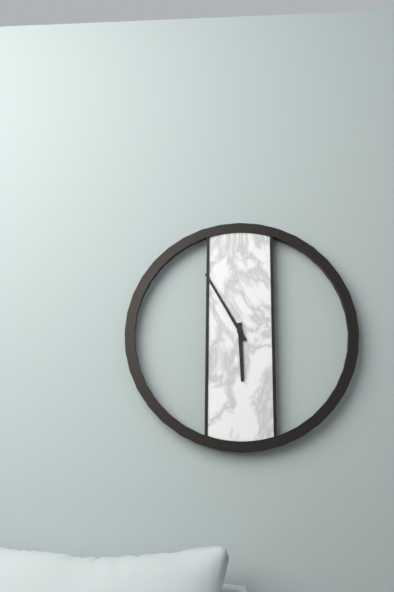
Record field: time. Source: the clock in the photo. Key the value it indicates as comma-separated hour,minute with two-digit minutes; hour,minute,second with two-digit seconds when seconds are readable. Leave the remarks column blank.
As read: 5,55
